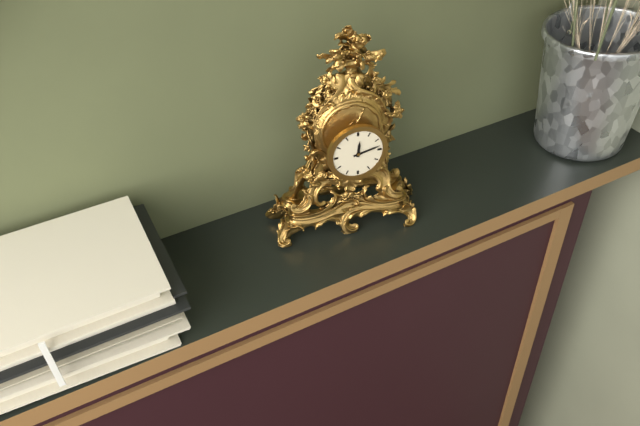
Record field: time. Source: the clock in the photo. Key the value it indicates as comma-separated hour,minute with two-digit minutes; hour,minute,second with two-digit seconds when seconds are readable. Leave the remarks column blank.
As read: 12,13
